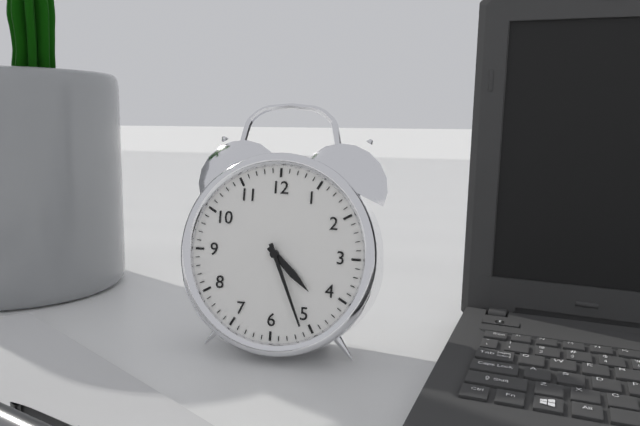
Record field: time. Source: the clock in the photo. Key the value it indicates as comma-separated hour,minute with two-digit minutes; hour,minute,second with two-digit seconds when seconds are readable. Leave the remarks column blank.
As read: 4,26
